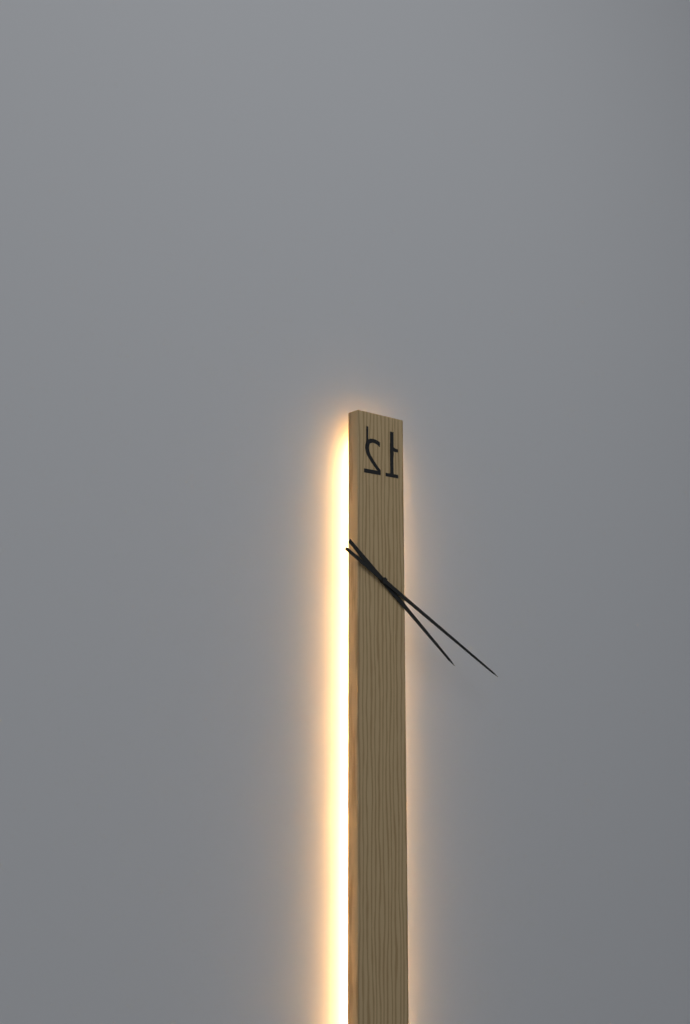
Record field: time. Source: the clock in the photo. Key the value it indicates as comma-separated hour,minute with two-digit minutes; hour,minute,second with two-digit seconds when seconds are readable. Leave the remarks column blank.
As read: 4,20
